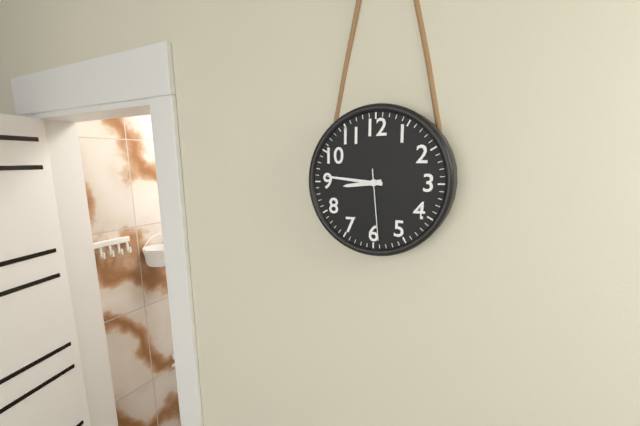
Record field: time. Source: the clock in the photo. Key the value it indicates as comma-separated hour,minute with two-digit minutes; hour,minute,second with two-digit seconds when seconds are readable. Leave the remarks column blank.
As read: 8,46,29
